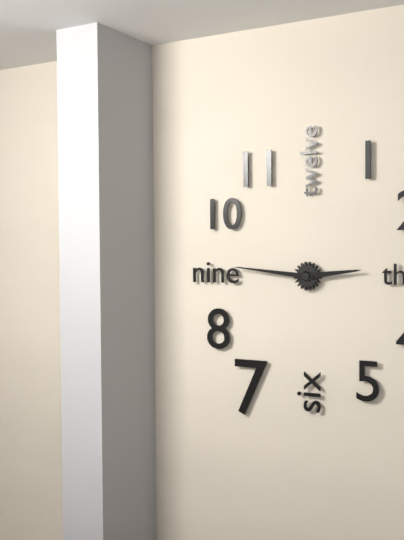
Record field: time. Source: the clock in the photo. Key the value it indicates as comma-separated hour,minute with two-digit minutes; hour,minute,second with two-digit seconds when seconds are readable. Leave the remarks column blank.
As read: 2,46
